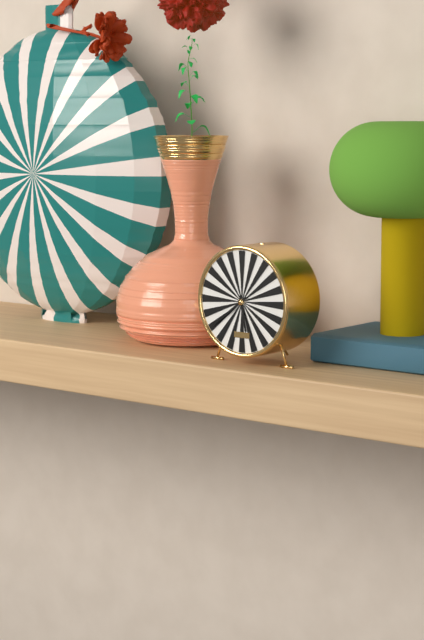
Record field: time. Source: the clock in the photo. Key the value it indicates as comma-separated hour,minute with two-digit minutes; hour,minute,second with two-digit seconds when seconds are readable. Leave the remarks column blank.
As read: 5,39
